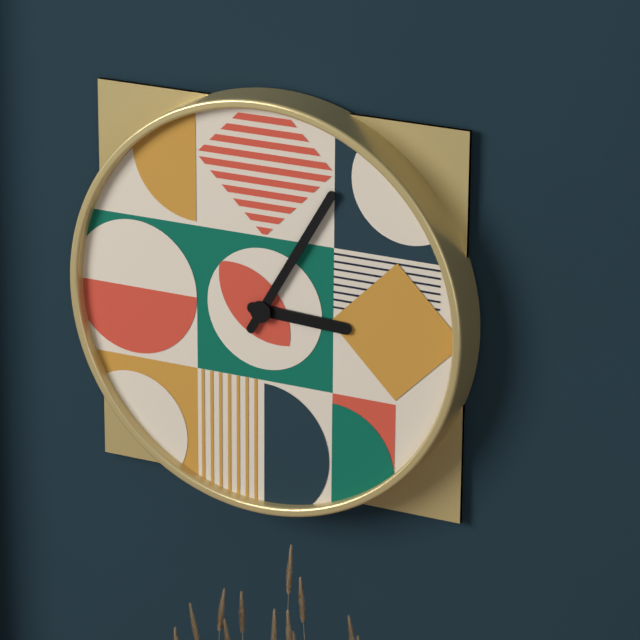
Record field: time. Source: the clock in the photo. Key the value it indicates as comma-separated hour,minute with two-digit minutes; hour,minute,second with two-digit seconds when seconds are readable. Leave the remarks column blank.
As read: 3,05
